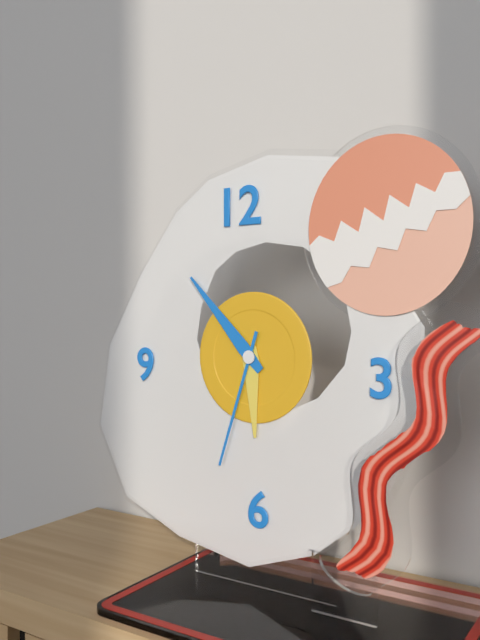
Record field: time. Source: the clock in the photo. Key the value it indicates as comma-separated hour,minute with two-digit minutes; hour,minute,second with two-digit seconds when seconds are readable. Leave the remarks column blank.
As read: 5,53,33
